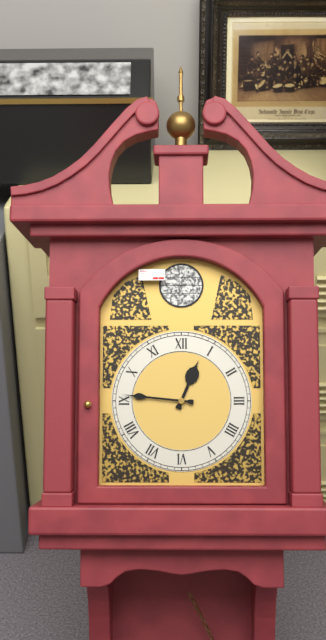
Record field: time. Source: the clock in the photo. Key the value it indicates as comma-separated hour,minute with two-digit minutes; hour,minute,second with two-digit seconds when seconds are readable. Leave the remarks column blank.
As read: 12,46
